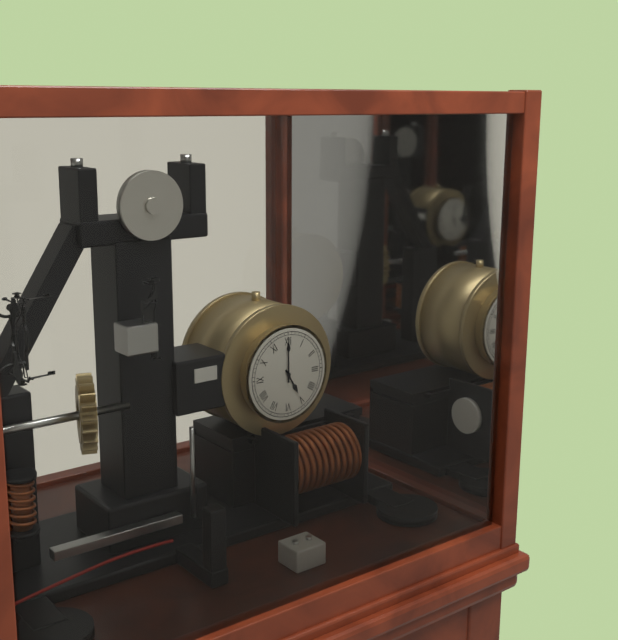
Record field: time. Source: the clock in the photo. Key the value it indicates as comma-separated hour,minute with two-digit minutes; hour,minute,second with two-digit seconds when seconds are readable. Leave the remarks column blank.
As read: 5,00
